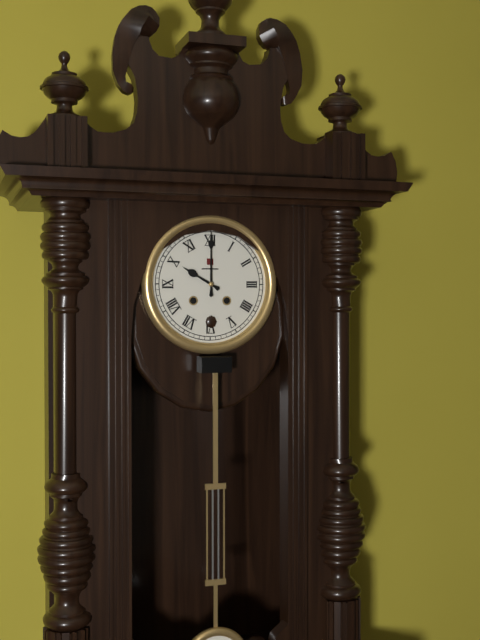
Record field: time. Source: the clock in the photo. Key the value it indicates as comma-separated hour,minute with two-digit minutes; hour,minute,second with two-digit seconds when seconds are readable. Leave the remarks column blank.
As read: 10,00
